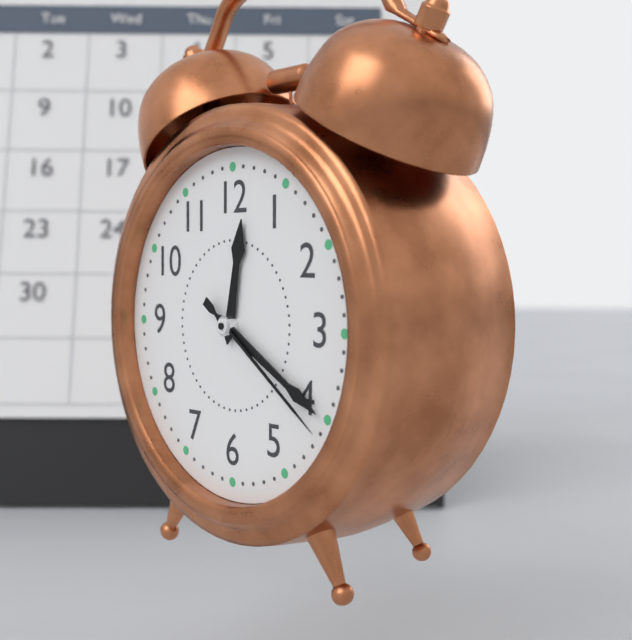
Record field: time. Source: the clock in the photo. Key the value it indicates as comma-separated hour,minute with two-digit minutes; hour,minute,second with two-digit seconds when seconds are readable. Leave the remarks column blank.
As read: 12,20,21
